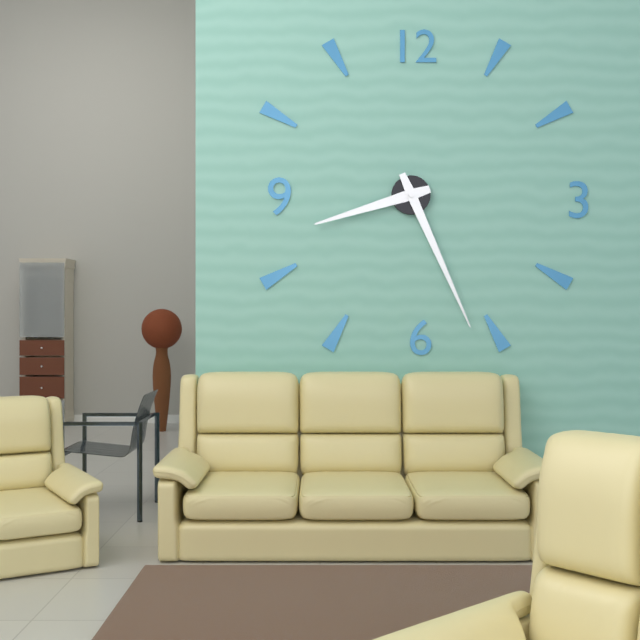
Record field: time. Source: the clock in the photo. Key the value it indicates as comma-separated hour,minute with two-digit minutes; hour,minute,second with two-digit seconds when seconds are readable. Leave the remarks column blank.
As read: 8,26
